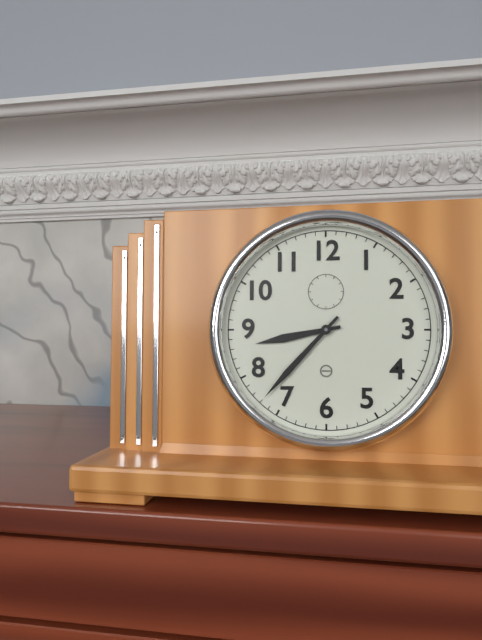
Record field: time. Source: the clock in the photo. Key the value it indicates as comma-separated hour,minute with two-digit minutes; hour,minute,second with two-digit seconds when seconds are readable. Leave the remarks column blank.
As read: 8,37
